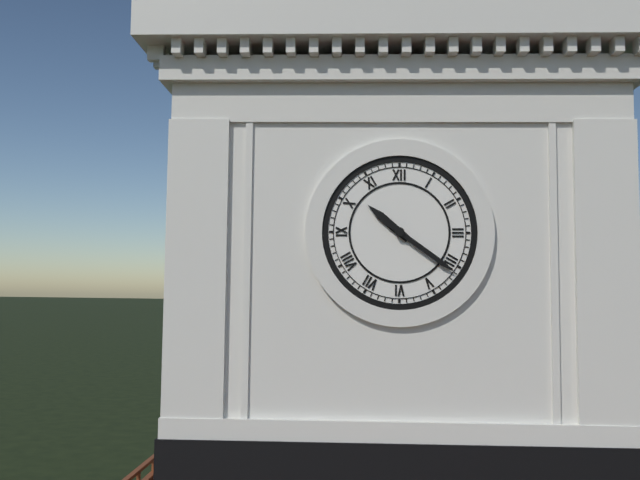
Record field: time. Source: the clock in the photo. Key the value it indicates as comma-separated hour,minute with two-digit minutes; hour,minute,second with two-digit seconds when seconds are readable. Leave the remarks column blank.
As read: 10,21
